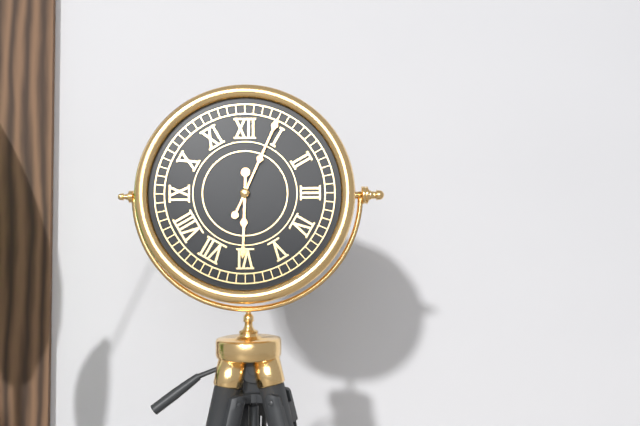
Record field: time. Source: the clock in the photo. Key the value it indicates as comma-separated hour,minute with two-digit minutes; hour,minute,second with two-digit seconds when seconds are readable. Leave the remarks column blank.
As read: 6,04
